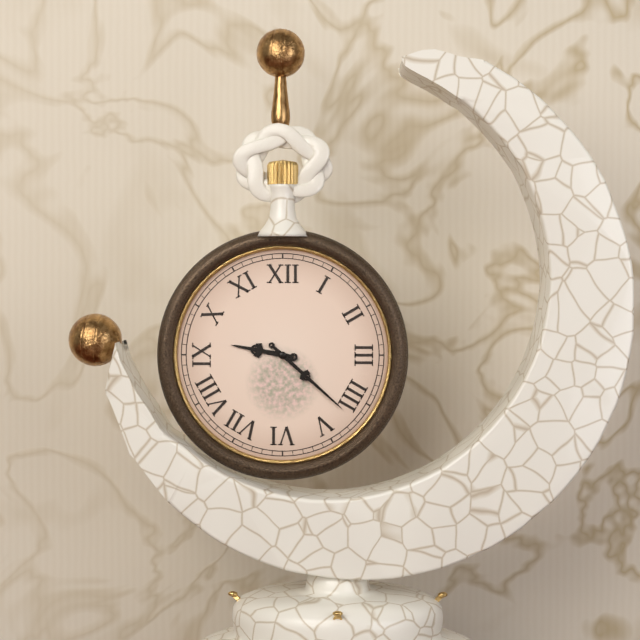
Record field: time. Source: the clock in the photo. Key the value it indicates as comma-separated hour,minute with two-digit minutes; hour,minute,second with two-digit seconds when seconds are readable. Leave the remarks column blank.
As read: 9,22
